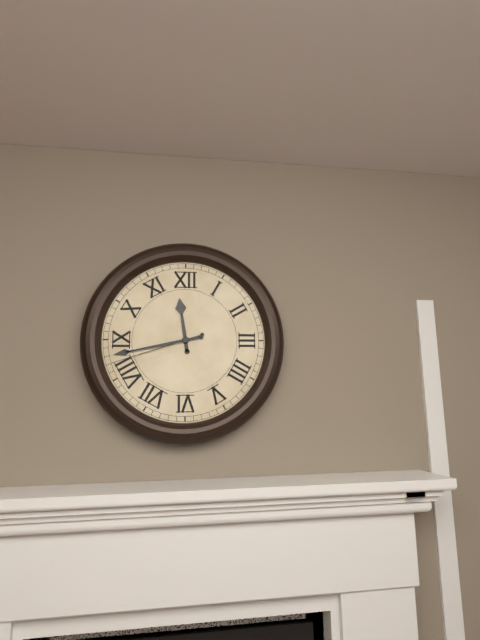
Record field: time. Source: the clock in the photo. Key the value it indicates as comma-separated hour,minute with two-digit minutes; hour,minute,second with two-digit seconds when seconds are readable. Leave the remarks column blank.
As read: 11,43,42
